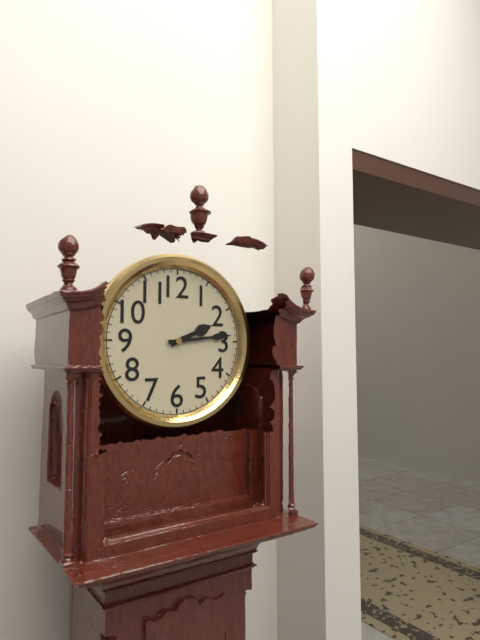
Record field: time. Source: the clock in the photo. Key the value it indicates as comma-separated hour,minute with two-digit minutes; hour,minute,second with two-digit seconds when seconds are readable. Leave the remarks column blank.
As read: 2,14
